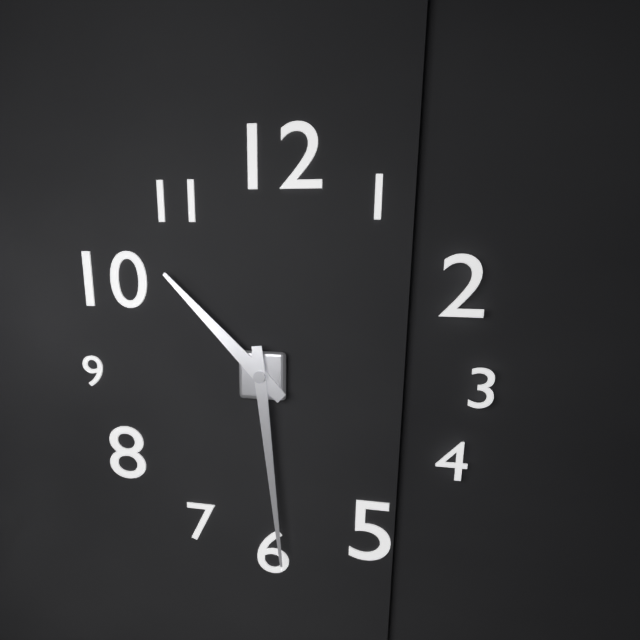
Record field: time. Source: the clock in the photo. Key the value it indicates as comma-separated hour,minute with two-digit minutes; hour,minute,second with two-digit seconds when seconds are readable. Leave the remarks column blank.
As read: 10,29
